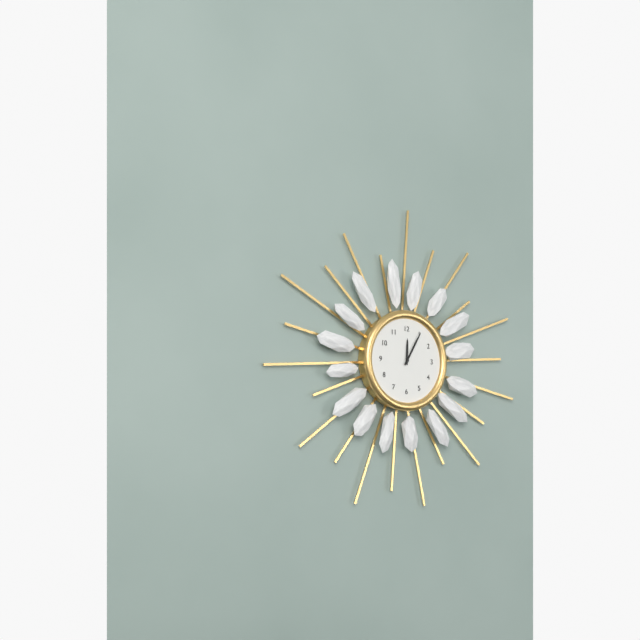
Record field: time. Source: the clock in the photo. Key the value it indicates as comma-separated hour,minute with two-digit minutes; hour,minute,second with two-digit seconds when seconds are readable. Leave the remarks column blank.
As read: 12,05
